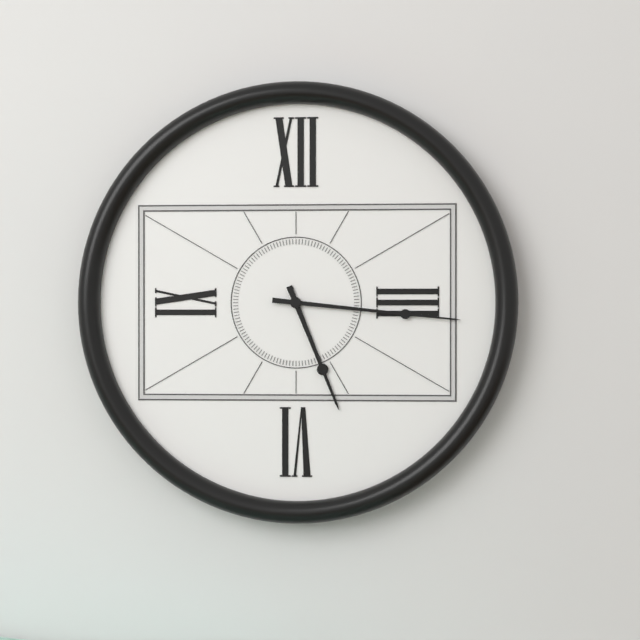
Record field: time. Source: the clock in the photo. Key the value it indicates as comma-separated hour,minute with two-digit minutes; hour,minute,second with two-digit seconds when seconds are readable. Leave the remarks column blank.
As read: 5,16
